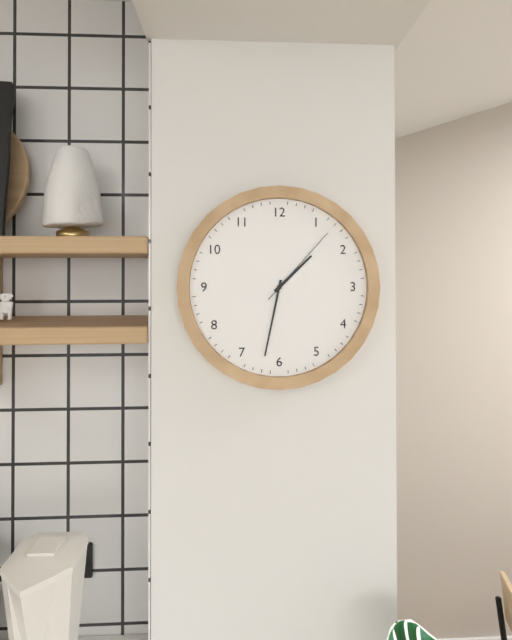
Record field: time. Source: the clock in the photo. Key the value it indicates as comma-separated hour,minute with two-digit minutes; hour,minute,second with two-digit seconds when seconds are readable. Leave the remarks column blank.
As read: 1,32,07
